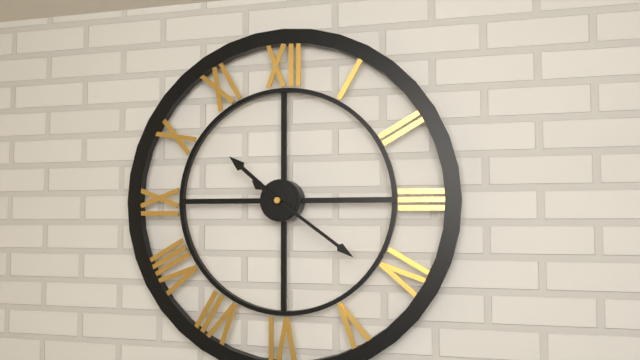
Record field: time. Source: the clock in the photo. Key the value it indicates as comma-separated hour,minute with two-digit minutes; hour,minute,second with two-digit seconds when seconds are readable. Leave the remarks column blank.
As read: 10,21
